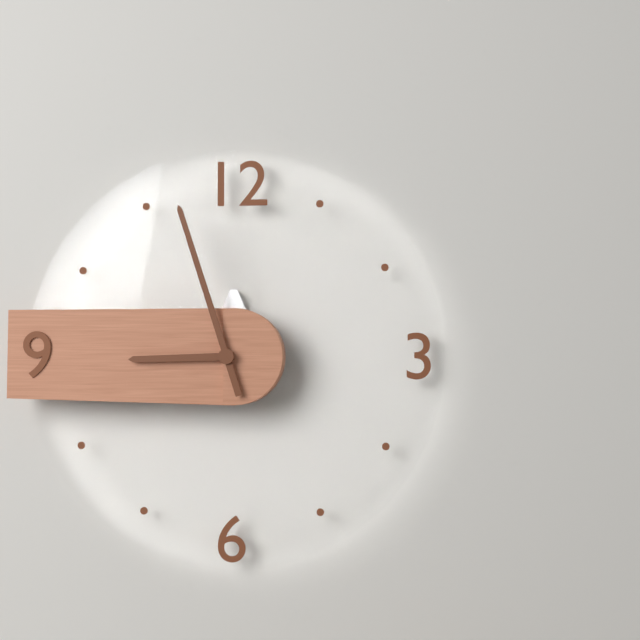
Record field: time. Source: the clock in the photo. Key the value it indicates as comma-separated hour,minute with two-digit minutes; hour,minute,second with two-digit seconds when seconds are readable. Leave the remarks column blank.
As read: 8,57
